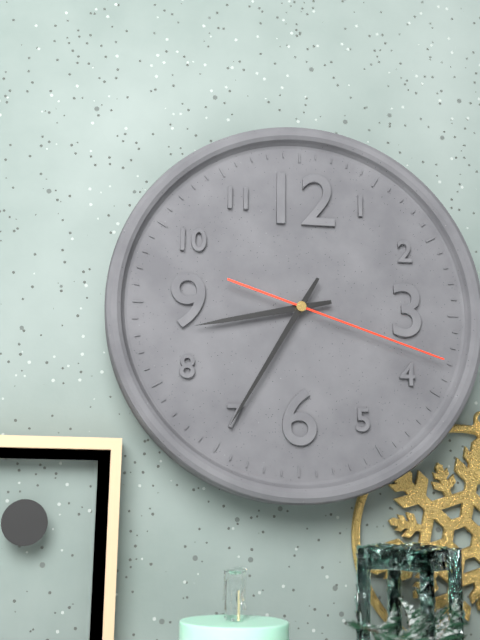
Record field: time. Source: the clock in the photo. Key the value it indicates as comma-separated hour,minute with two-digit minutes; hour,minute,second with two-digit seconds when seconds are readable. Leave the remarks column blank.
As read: 8,35,18
